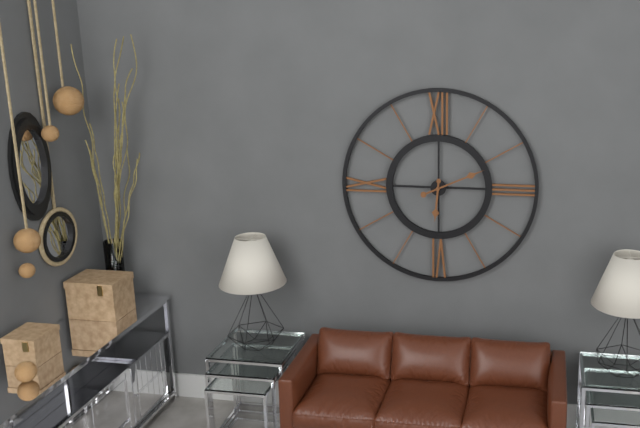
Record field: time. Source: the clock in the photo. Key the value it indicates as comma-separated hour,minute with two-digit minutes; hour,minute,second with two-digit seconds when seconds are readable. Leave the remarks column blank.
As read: 6,11
